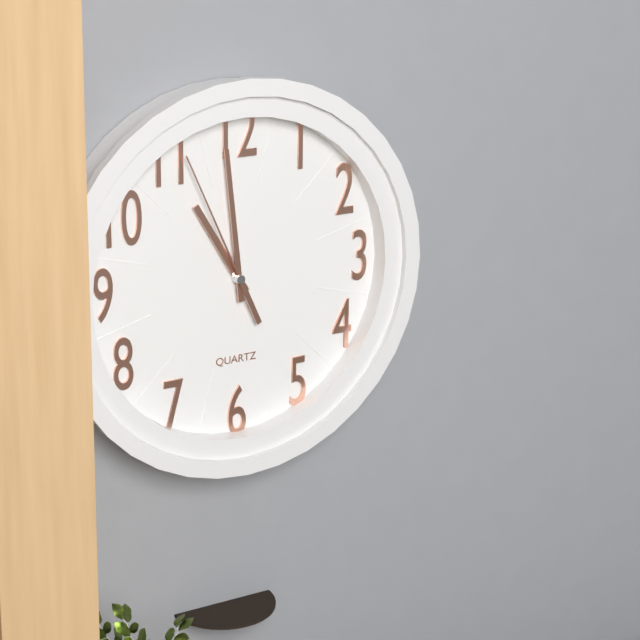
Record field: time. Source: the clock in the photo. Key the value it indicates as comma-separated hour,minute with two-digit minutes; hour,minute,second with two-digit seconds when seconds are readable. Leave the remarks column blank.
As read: 10,59,56
